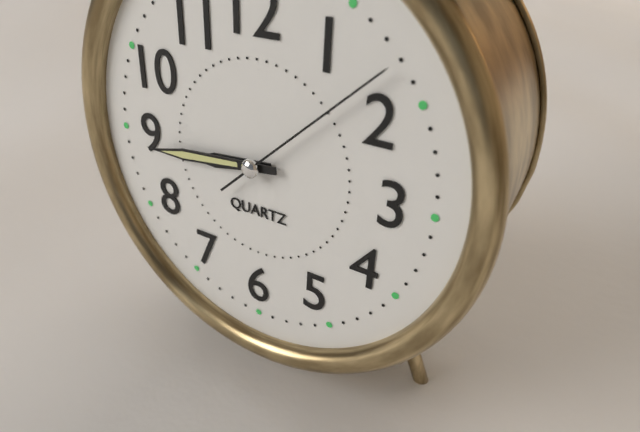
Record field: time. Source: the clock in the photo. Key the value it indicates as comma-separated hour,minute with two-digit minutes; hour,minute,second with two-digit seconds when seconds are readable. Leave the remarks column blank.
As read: 8,44,08
